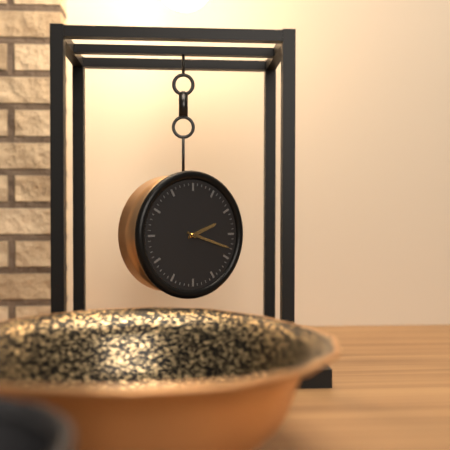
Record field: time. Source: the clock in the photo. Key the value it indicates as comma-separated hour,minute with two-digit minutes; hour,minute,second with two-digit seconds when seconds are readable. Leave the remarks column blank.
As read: 2,18
